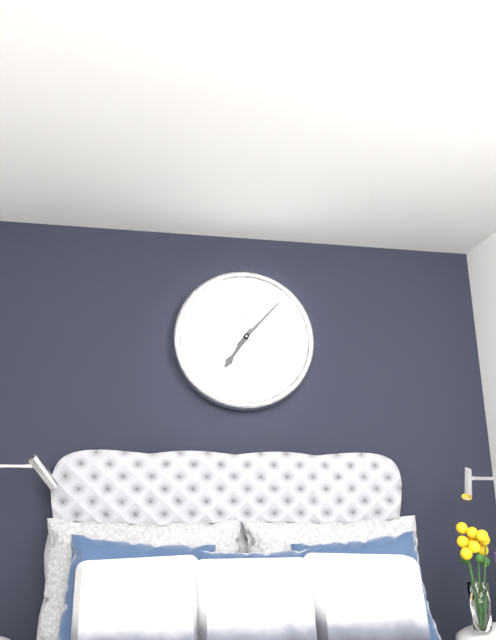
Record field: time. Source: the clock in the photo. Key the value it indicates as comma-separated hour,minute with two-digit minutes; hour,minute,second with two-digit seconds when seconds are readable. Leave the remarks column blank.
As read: 7,07
